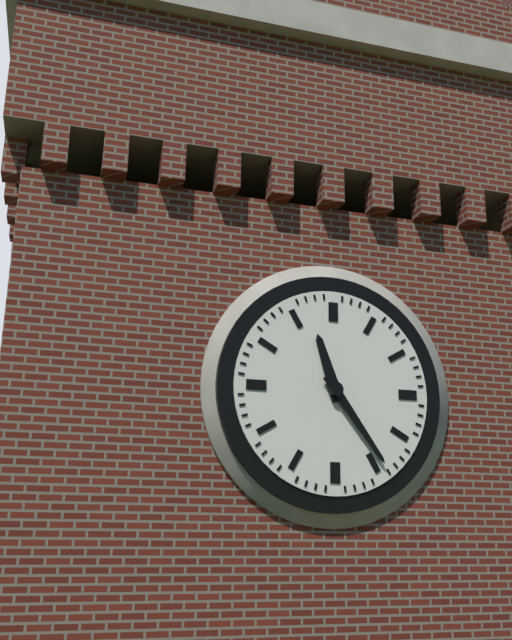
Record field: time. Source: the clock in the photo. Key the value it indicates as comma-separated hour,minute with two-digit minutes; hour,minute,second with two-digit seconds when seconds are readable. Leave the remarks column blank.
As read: 11,24
